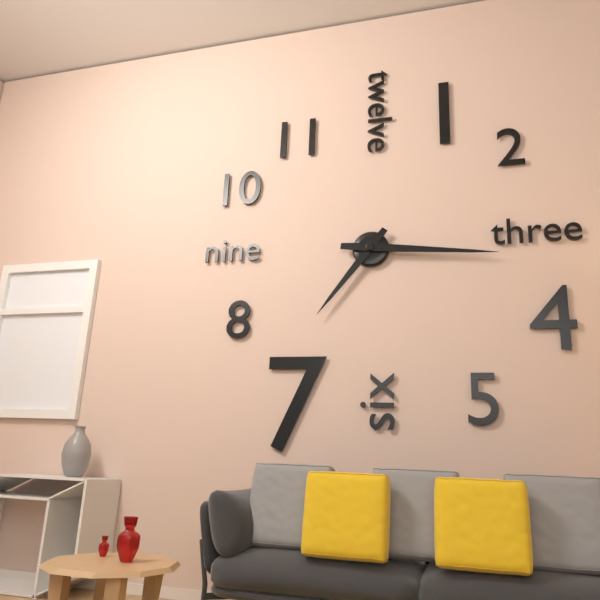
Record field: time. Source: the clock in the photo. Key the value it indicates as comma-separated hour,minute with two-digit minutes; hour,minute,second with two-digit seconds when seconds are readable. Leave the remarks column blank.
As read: 7,16
